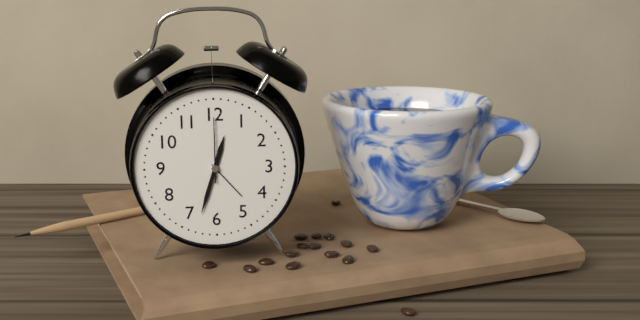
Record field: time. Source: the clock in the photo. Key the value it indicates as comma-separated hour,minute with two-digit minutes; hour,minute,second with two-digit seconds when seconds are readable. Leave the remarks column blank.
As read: 12,33,00
